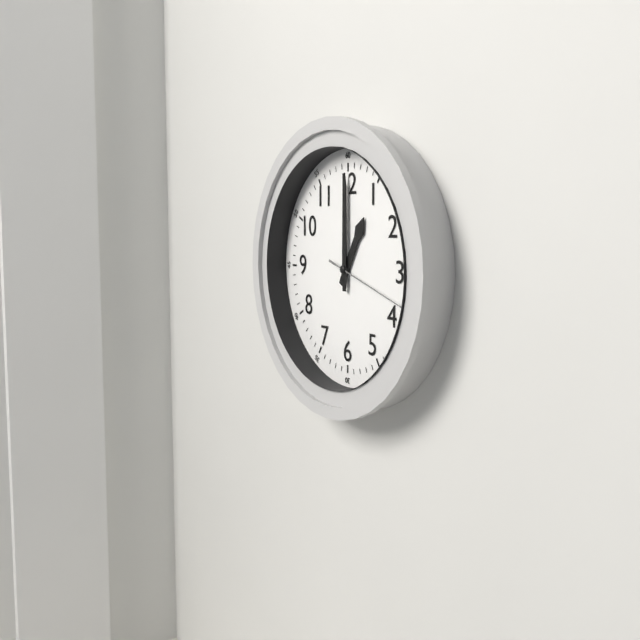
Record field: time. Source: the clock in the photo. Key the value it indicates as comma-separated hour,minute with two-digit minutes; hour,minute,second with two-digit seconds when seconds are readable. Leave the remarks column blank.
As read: 1,00,18
